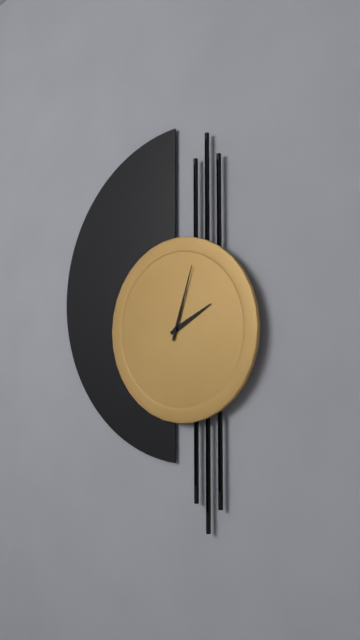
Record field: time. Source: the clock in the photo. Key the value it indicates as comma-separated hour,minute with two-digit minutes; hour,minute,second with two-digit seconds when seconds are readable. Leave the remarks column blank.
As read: 2,03
